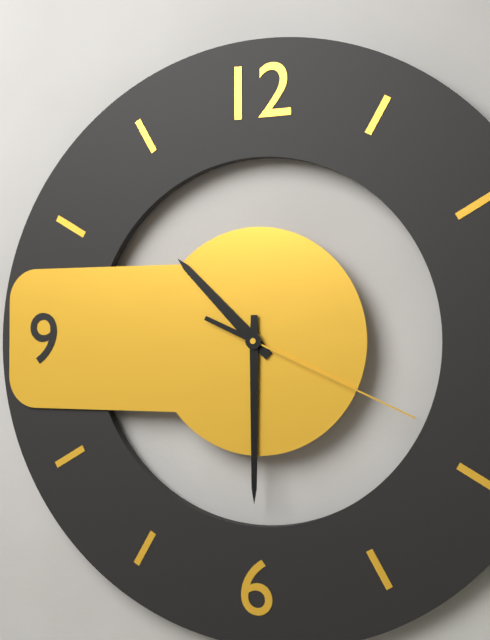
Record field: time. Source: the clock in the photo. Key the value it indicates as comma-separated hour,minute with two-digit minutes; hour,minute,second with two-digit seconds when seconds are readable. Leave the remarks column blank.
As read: 10,30,19
